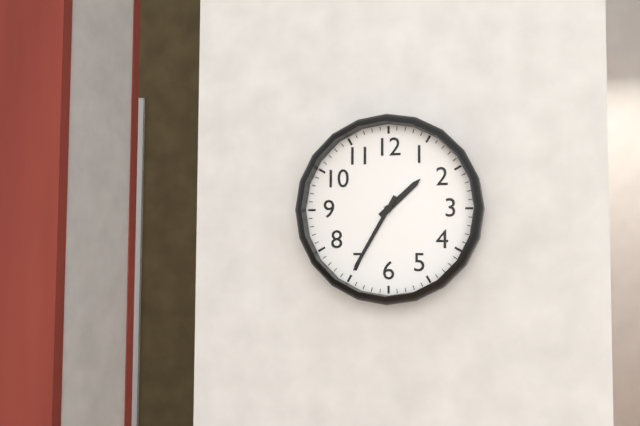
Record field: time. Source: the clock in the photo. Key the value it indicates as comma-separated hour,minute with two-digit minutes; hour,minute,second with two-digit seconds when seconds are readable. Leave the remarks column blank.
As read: 1,35
